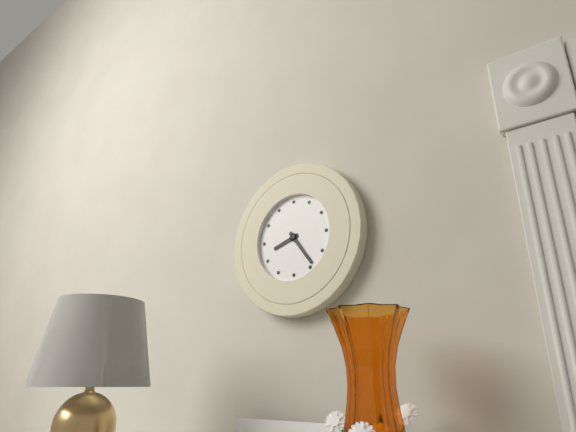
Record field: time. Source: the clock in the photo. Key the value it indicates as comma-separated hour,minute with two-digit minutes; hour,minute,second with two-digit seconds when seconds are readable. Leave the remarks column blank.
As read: 8,24
